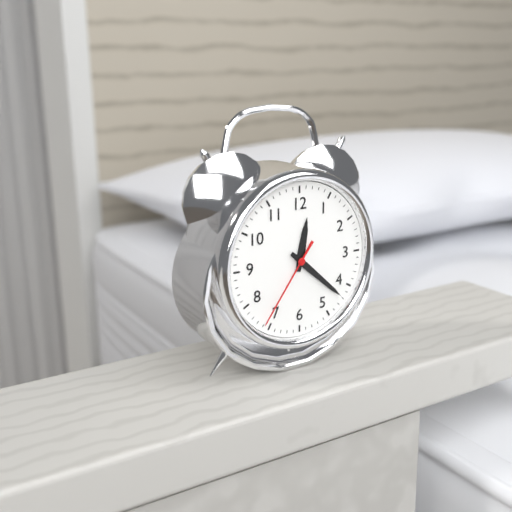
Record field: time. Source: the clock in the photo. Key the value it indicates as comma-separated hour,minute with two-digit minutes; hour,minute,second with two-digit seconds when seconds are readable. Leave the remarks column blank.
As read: 12,22,36
